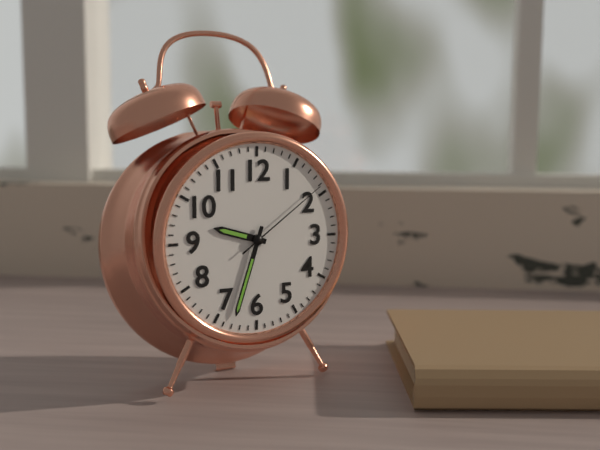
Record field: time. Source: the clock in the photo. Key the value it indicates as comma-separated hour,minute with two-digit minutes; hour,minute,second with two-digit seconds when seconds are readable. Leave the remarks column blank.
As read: 9,33,09
